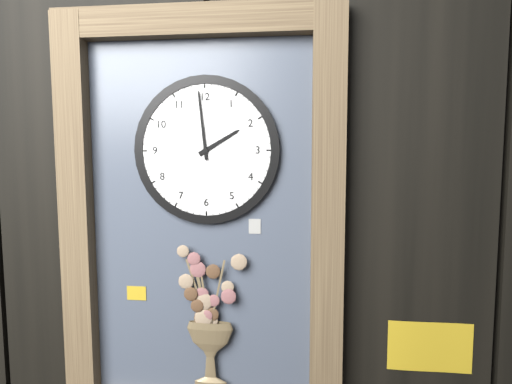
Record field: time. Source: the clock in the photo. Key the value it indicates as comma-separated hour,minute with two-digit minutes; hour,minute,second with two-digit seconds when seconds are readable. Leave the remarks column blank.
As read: 1,59
